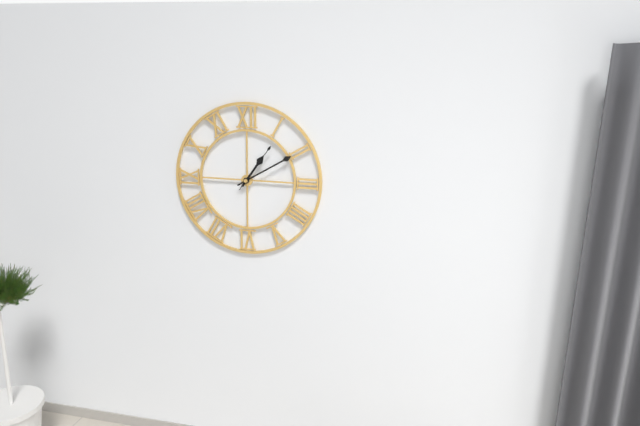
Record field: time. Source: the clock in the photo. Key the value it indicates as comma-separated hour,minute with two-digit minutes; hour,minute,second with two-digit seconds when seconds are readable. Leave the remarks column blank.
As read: 1,10,06
